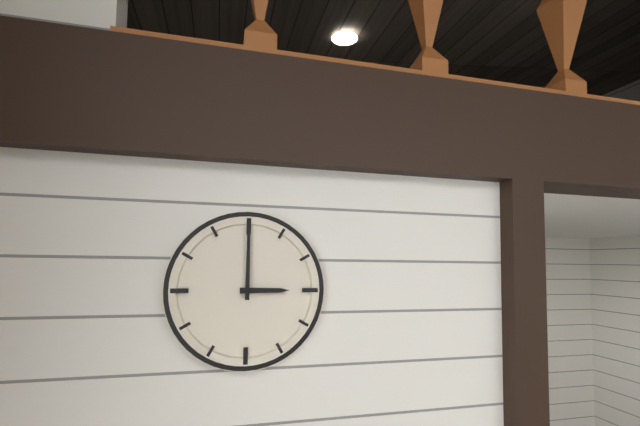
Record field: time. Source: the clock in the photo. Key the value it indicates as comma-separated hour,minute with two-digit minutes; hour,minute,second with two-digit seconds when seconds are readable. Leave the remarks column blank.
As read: 3,00
